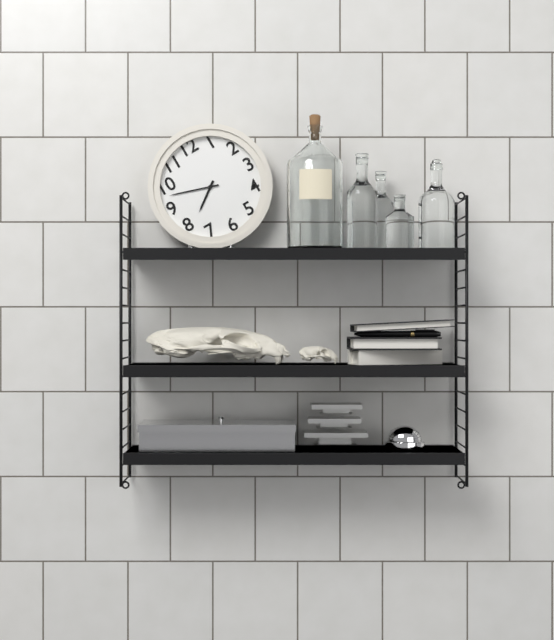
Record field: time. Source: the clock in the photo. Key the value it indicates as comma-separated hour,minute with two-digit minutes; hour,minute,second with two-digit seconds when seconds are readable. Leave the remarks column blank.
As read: 7,48
